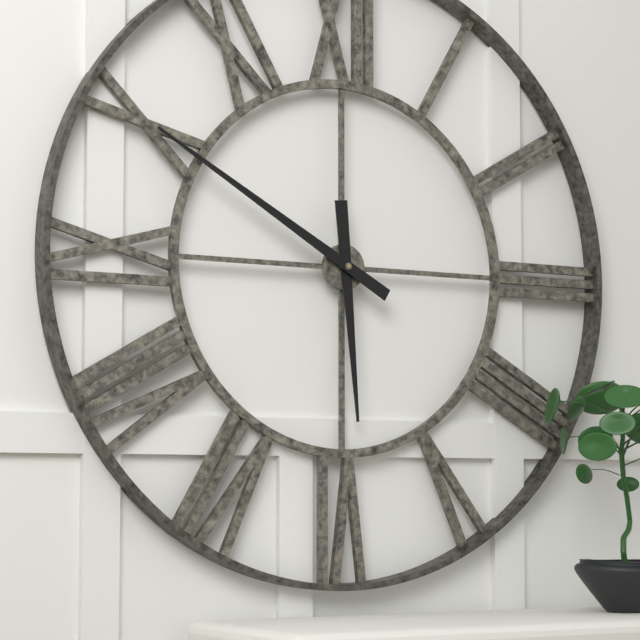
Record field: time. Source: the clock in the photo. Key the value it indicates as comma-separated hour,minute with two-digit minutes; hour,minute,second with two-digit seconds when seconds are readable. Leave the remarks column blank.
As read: 5,50
